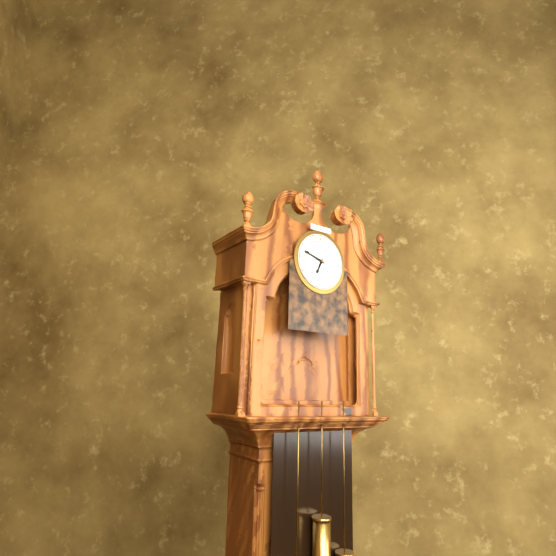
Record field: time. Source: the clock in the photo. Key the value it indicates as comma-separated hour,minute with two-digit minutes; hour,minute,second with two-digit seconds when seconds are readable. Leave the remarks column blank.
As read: 6,48
